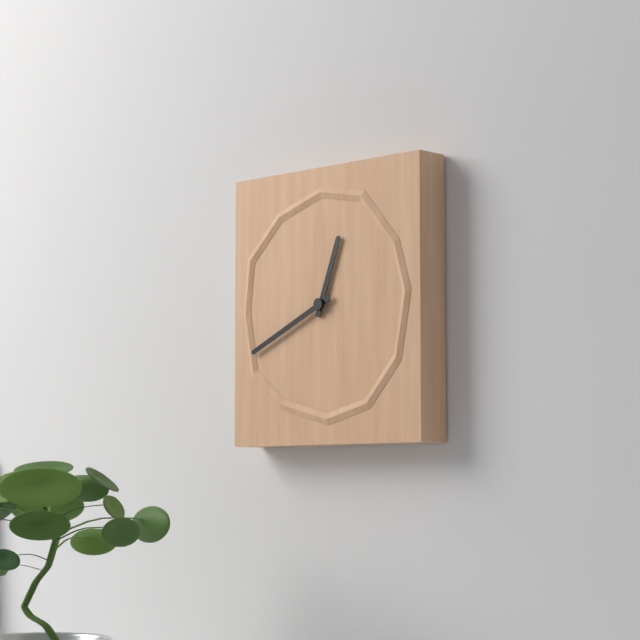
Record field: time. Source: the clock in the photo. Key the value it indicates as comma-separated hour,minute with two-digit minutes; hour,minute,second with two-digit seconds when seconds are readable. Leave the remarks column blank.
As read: 12,41
